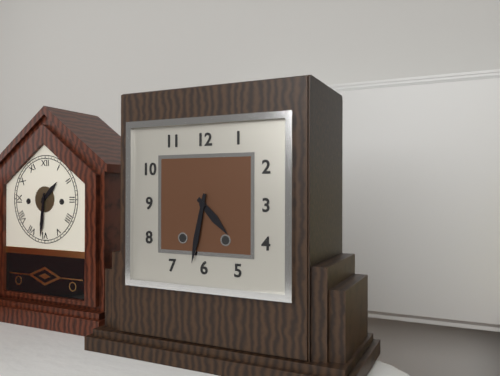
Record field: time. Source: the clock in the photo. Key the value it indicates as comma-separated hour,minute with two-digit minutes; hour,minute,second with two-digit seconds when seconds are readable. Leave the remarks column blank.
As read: 4,32
